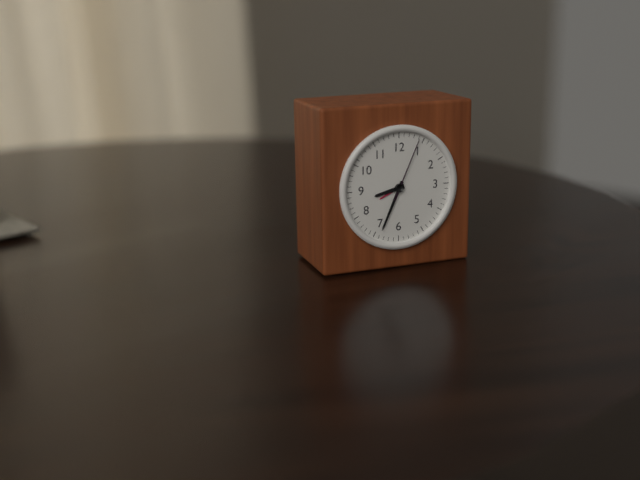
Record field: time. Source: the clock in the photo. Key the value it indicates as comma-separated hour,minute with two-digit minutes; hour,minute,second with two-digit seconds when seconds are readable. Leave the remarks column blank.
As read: 8,34,04
